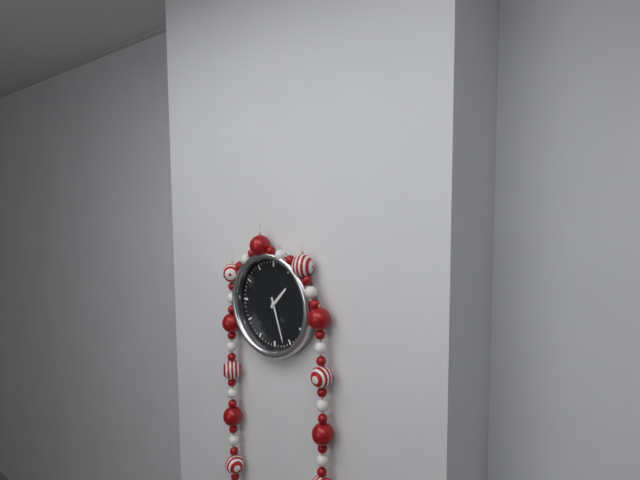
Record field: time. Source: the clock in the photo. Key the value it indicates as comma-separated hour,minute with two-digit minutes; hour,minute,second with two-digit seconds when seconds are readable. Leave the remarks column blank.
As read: 1,27
